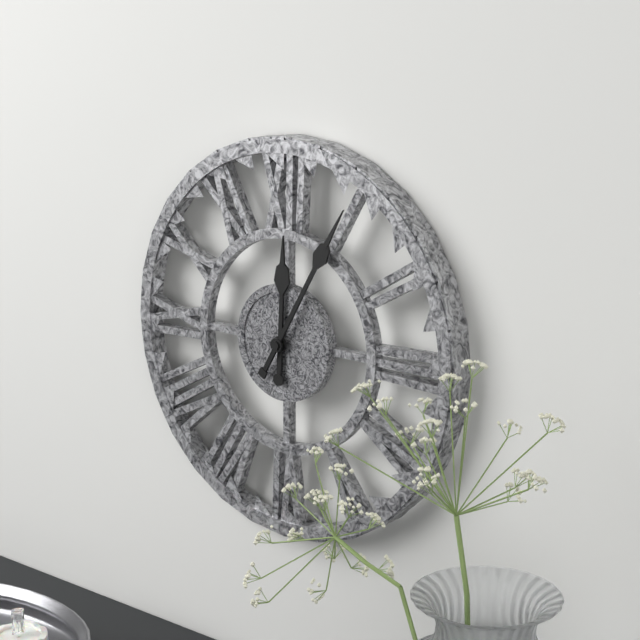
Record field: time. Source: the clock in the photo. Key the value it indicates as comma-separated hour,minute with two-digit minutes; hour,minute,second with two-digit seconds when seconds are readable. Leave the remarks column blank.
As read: 12,05
